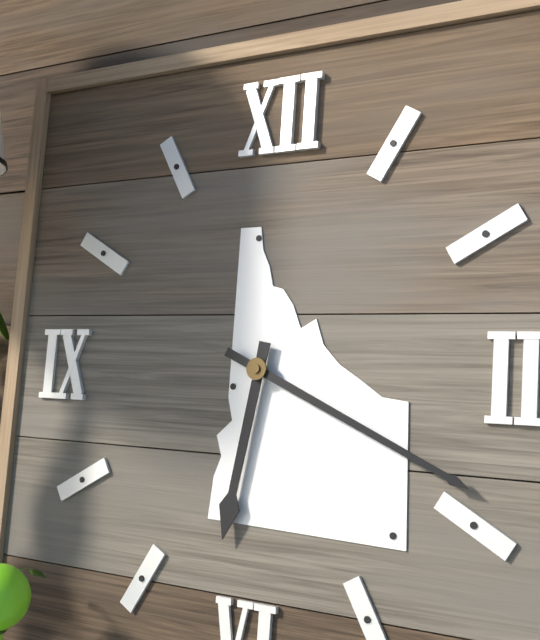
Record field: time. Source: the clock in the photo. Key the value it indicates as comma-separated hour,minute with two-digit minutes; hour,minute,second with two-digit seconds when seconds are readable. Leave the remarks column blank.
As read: 6,19
